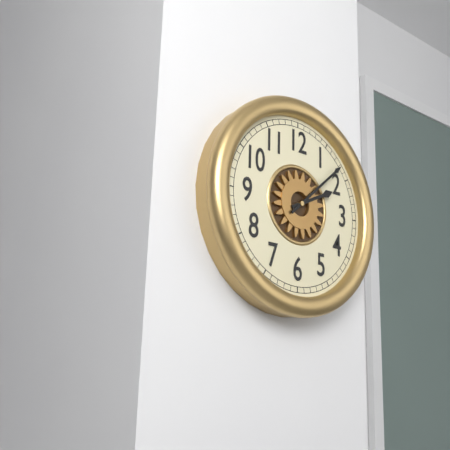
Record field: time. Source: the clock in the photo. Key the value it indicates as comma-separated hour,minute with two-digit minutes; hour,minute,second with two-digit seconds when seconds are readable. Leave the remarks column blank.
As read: 2,08
